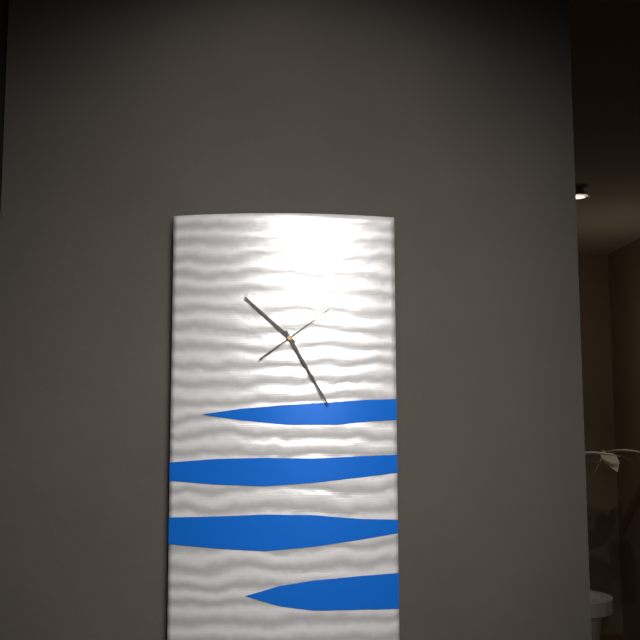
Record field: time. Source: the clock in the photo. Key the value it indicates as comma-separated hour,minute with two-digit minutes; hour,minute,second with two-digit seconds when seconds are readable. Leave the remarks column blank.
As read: 10,25,09
